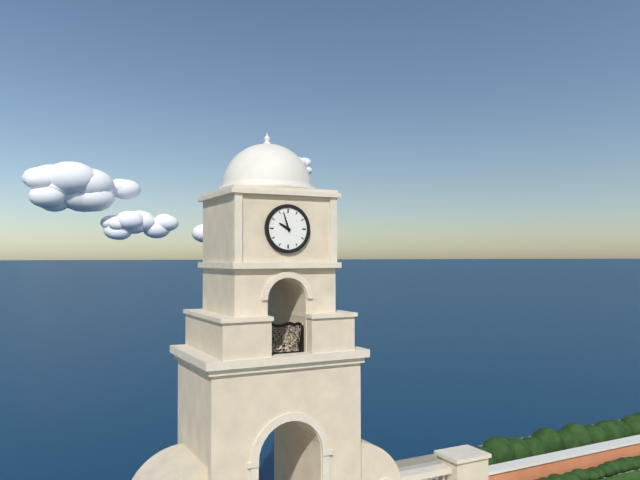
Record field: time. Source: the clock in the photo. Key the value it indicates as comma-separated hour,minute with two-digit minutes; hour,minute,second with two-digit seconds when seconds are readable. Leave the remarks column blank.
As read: 9,57
